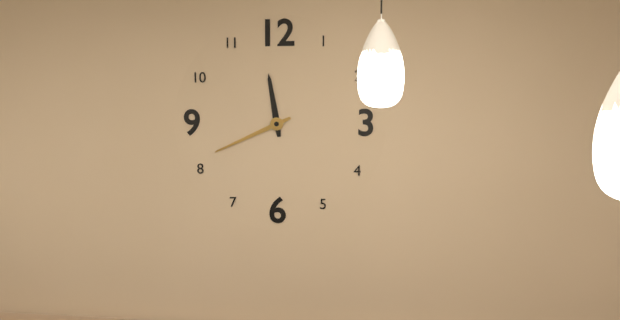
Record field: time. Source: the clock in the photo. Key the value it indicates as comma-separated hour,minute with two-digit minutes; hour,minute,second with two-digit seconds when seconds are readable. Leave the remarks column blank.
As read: 11,41
